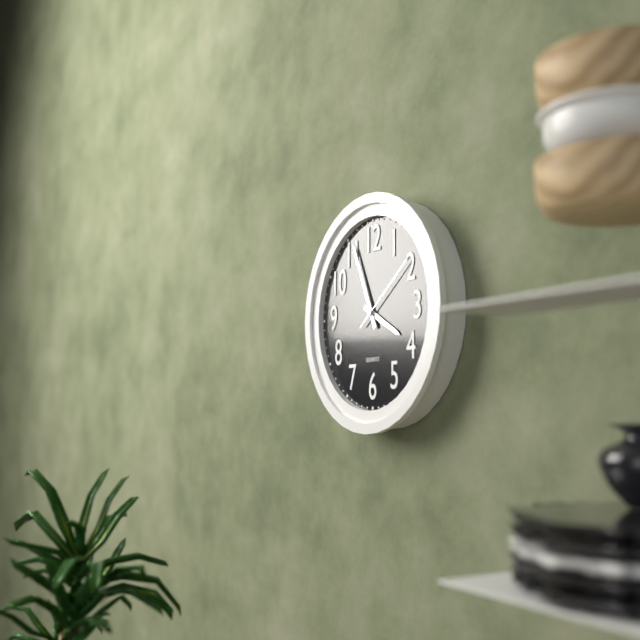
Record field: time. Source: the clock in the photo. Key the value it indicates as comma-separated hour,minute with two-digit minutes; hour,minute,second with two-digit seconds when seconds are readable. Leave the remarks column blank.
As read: 3,56,09
